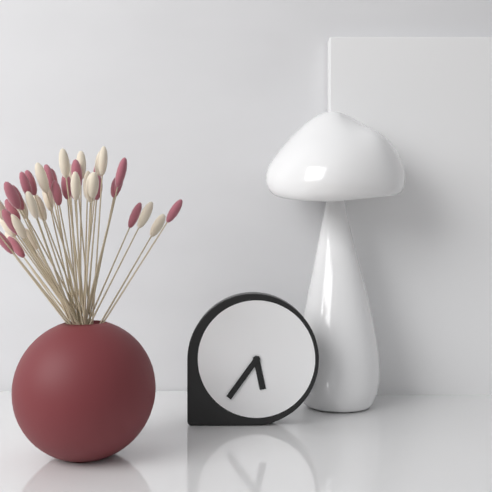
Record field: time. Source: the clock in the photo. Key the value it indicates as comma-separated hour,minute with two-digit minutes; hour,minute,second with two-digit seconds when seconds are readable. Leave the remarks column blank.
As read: 5,36
